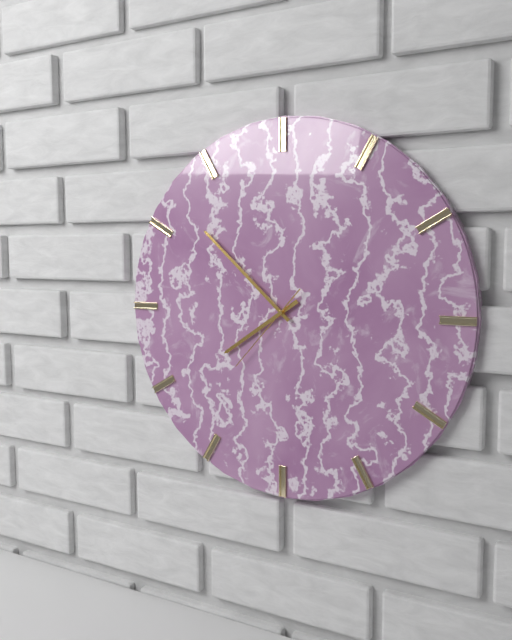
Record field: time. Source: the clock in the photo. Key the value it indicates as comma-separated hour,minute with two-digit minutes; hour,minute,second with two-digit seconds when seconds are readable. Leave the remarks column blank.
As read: 7,52,37
